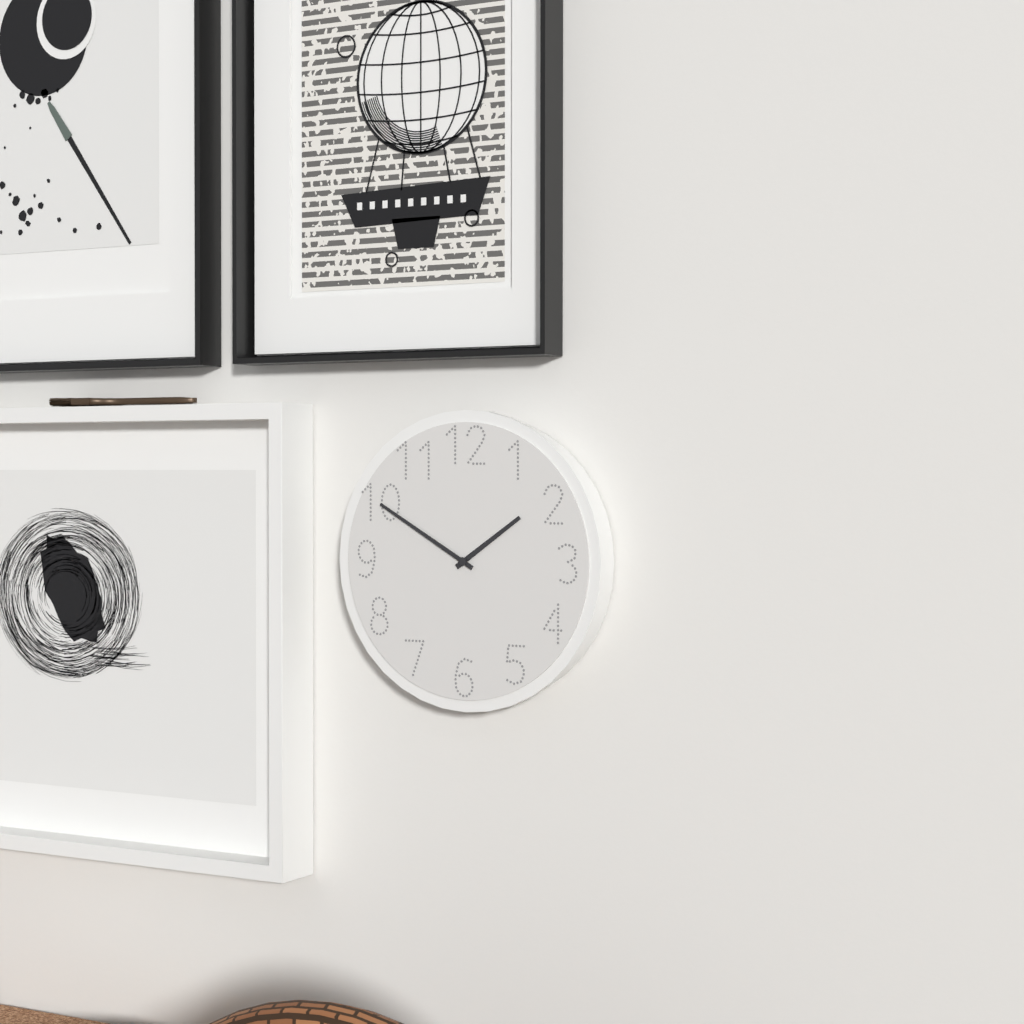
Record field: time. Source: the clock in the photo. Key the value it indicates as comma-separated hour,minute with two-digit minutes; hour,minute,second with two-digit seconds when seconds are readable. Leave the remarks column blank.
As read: 1,50
